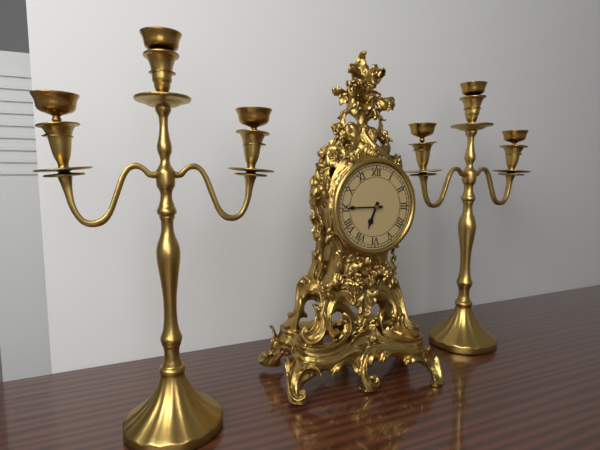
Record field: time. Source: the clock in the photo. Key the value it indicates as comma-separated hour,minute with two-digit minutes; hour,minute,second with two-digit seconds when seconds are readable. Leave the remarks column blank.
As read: 6,45
